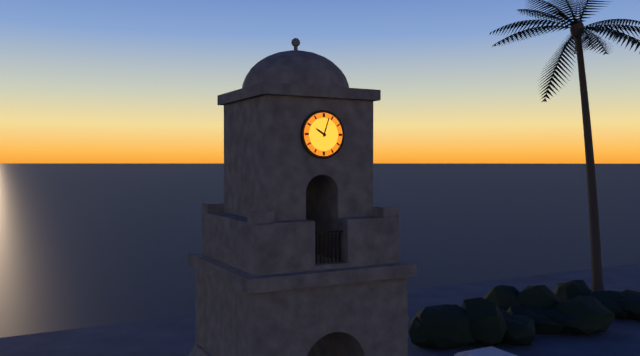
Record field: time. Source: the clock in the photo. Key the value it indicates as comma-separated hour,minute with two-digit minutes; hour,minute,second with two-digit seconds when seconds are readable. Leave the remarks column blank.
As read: 10,03
